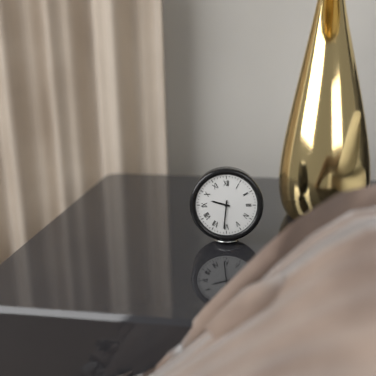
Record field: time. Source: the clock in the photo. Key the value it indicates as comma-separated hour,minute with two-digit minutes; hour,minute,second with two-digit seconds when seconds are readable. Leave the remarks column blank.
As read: 9,31
